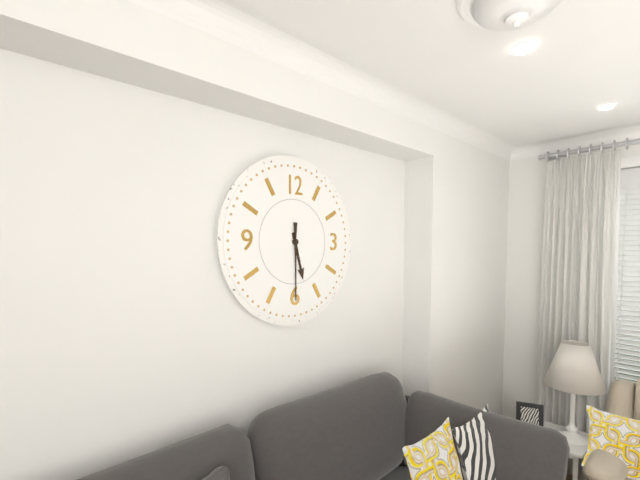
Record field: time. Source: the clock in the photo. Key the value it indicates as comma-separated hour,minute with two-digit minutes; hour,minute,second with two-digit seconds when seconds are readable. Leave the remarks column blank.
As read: 5,30
